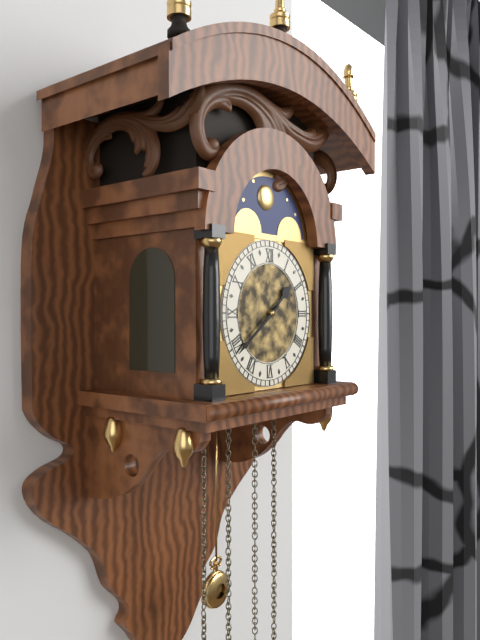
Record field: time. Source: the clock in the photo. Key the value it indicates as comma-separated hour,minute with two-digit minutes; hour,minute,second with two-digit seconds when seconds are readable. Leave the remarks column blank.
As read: 1,39
